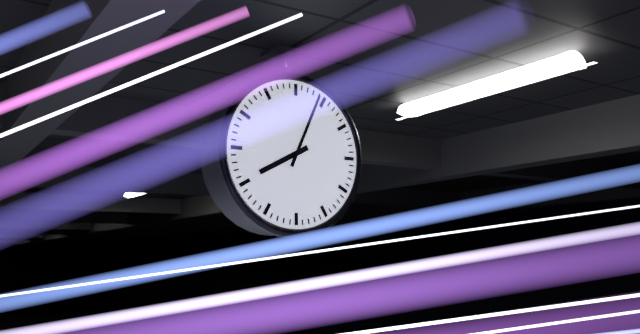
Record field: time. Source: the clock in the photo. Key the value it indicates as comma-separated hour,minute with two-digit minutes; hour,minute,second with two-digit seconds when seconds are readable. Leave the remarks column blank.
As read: 8,04
